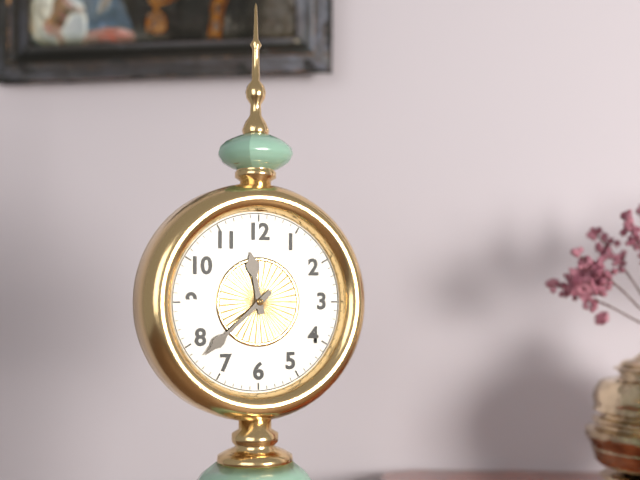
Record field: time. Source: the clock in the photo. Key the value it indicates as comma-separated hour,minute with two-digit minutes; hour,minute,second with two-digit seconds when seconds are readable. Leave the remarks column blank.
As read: 11,38
